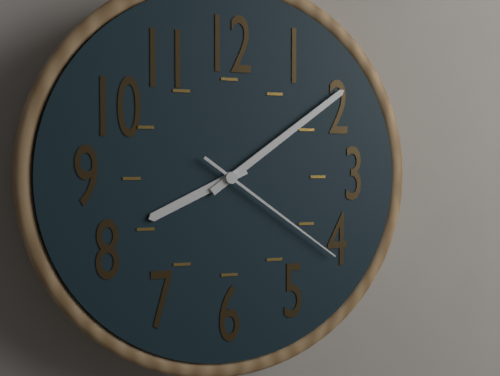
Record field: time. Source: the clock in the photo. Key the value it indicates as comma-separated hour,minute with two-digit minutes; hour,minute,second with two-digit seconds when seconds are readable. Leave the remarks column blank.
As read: 8,09,21
